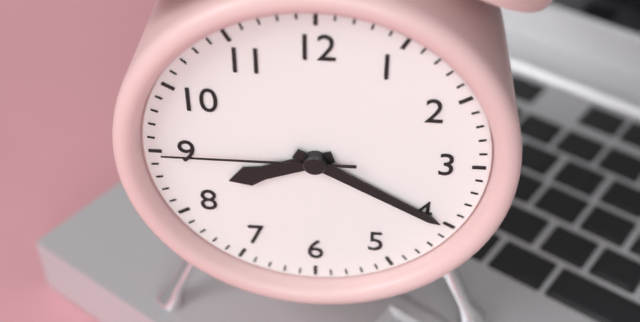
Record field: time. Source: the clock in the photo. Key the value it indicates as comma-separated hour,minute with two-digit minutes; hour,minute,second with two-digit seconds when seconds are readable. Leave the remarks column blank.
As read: 8,20,45
